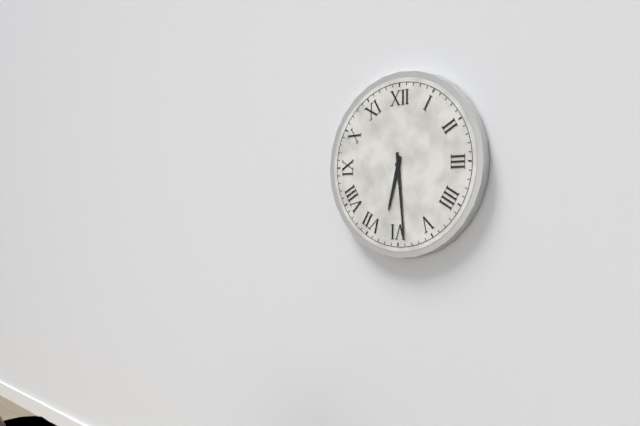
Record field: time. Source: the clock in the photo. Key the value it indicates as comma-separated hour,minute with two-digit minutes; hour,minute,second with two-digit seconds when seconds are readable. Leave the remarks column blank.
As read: 6,29
